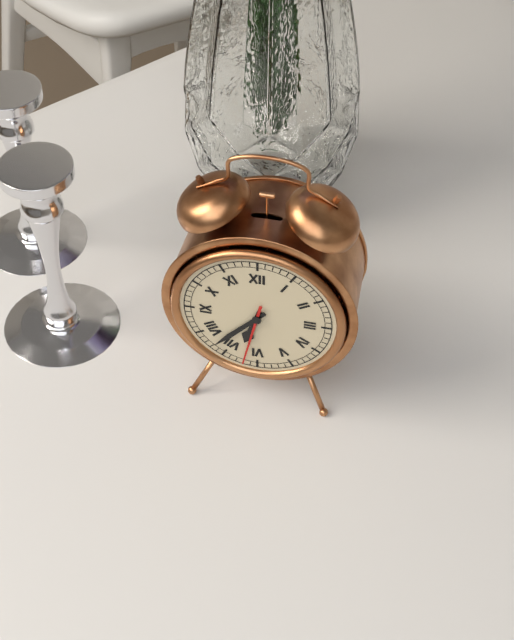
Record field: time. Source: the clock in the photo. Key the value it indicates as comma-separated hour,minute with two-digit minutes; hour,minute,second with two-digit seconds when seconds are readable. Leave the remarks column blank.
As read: 6,37,32
